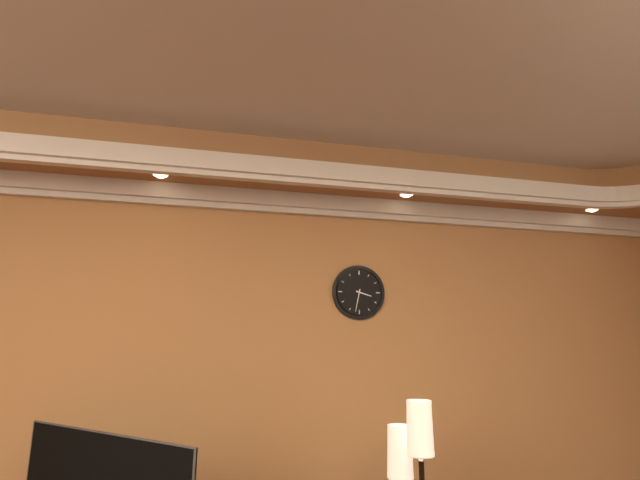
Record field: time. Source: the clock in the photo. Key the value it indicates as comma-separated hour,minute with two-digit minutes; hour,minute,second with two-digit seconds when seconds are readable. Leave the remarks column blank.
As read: 3,32
